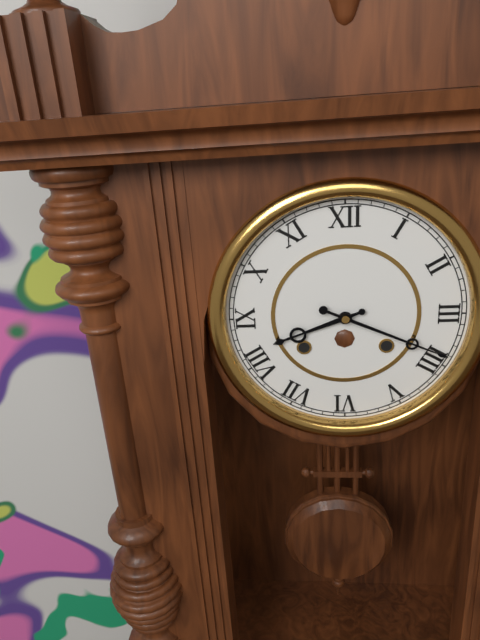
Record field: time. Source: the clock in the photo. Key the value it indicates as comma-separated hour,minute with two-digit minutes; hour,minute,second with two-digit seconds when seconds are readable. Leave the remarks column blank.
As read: 8,19
